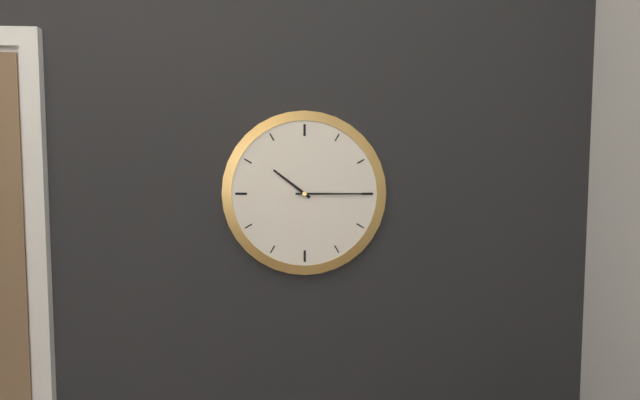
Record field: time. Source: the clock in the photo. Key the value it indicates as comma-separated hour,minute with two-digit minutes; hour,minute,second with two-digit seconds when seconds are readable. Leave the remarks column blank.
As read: 10,15
